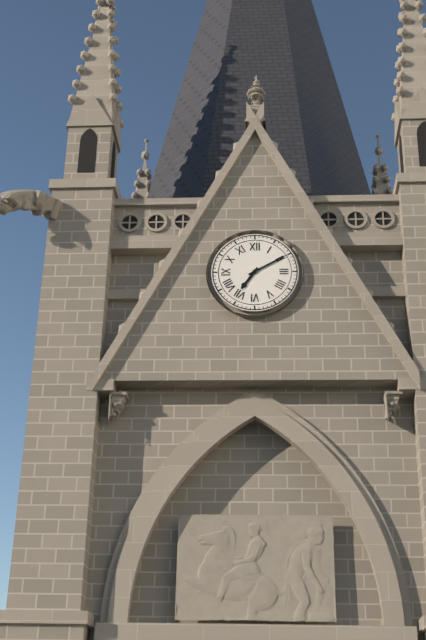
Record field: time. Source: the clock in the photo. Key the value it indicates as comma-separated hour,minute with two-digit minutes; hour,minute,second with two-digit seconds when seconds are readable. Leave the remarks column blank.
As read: 7,10
